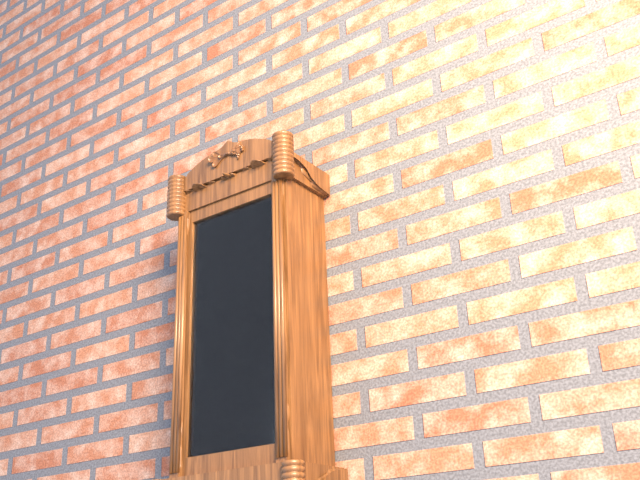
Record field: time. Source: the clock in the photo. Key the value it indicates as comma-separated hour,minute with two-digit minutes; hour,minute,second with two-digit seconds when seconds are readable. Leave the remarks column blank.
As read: 6,08
